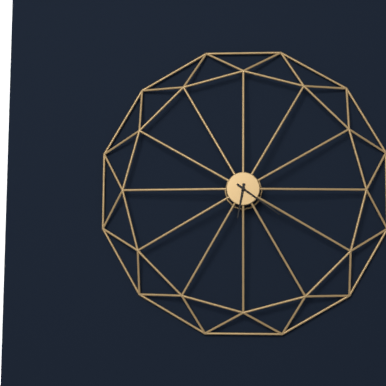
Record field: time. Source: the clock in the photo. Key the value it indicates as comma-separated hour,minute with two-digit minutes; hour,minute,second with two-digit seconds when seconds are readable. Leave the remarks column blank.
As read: 6,21
